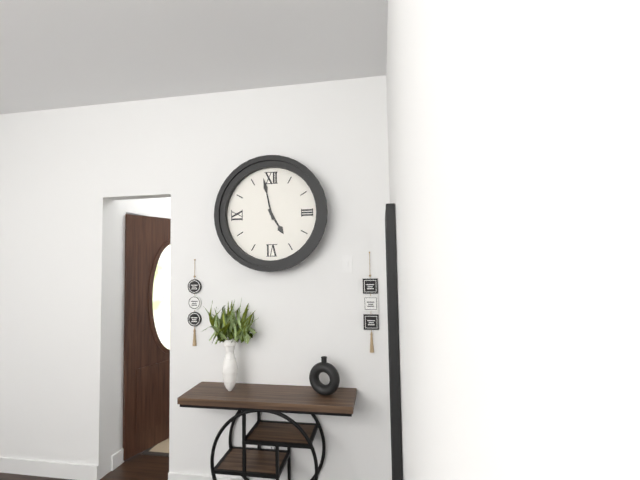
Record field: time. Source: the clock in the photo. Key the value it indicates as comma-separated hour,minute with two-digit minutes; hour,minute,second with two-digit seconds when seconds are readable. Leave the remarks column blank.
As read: 4,58
